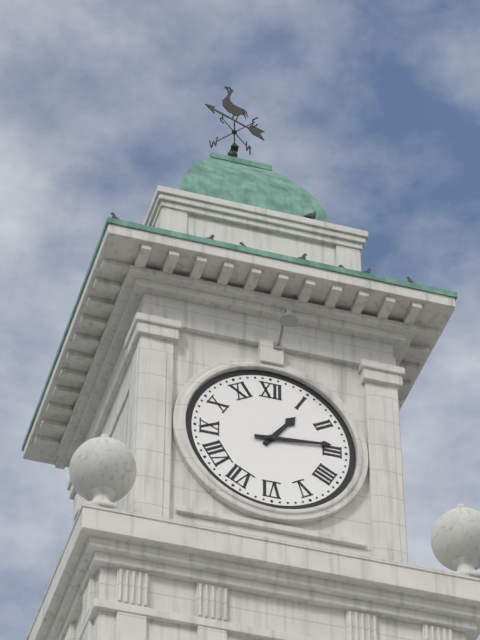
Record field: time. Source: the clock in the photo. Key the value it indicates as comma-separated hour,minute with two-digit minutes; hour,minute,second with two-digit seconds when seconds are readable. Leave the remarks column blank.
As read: 1,14
